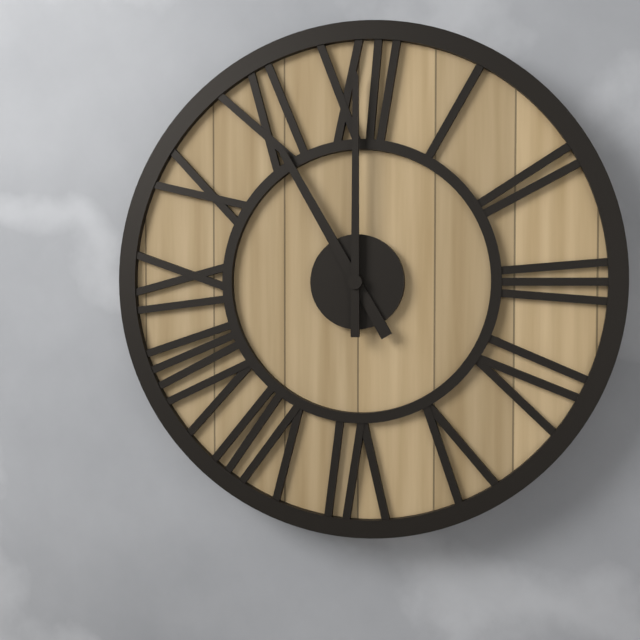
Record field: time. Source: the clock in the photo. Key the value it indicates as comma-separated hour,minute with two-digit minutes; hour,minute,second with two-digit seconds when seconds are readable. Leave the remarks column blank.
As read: 11,00
